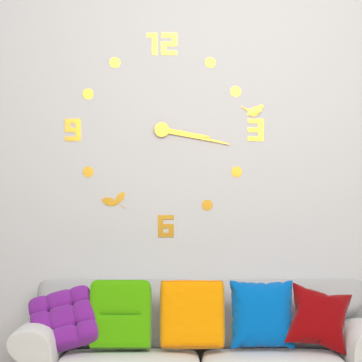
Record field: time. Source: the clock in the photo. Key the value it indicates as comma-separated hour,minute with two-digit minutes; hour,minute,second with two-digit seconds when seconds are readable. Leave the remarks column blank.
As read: 3,17
